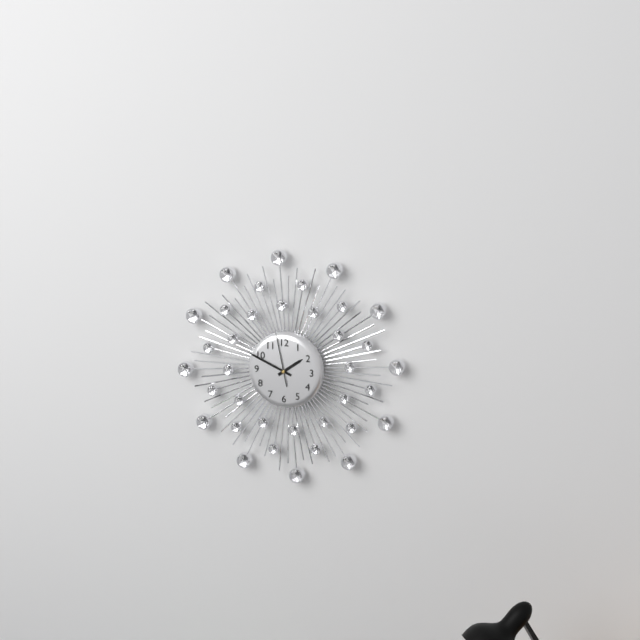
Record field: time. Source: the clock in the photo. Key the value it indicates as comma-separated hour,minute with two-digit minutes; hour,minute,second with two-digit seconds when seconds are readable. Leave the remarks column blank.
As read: 1,49,58
